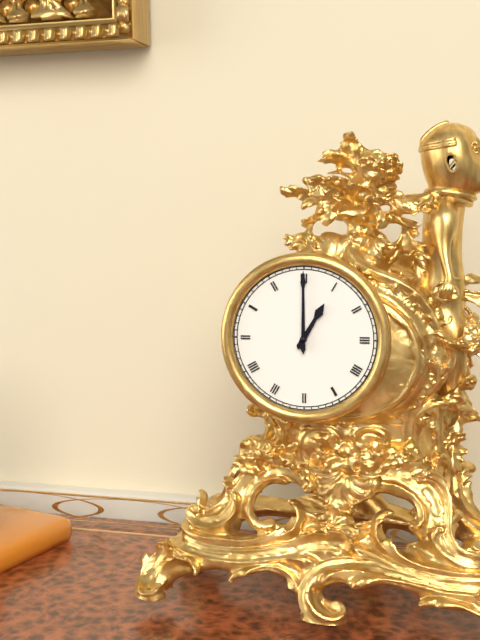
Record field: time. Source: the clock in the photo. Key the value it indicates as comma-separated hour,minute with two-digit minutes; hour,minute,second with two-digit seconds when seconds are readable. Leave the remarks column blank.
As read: 1,00
